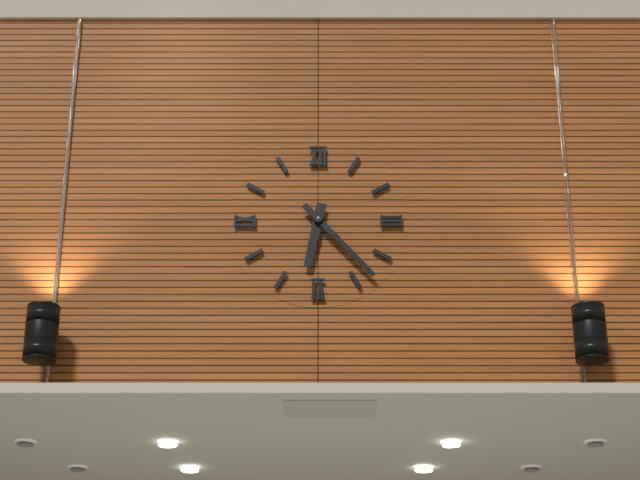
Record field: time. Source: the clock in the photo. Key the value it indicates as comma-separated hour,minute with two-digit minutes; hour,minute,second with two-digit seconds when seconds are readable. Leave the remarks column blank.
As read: 6,23
